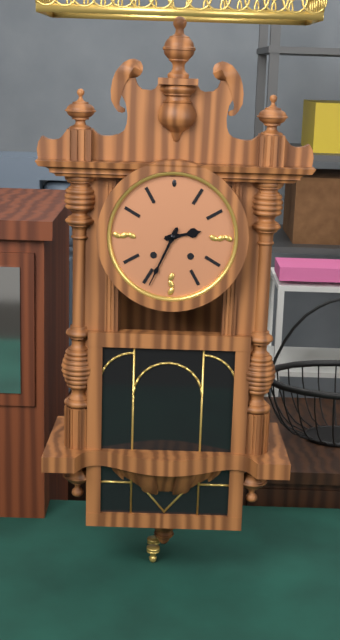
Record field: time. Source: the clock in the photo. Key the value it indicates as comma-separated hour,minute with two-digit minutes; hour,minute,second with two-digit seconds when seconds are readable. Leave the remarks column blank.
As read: 2,34
